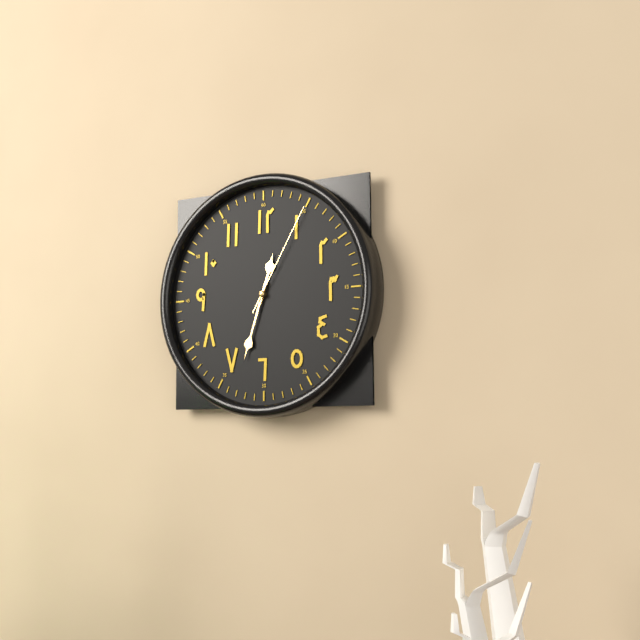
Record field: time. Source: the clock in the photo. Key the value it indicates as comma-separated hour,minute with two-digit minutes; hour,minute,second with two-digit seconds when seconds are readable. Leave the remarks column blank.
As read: 12,33,05
